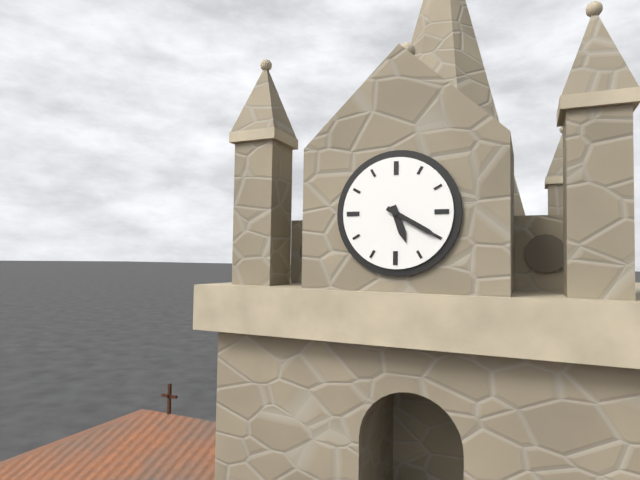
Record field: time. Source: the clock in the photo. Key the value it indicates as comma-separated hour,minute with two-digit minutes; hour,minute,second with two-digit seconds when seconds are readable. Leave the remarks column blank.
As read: 5,20
